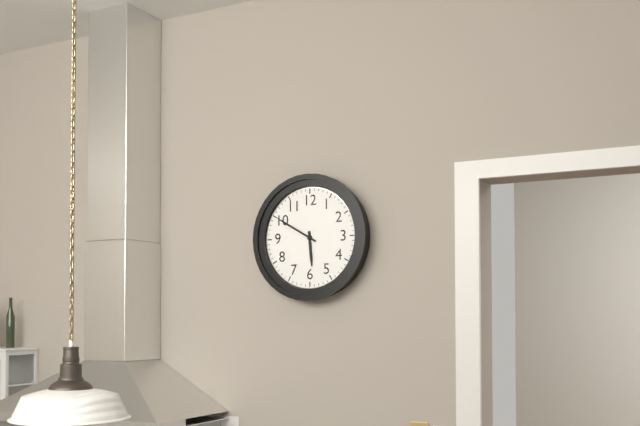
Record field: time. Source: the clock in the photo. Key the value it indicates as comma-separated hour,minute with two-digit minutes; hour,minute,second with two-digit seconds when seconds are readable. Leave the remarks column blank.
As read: 5,50
